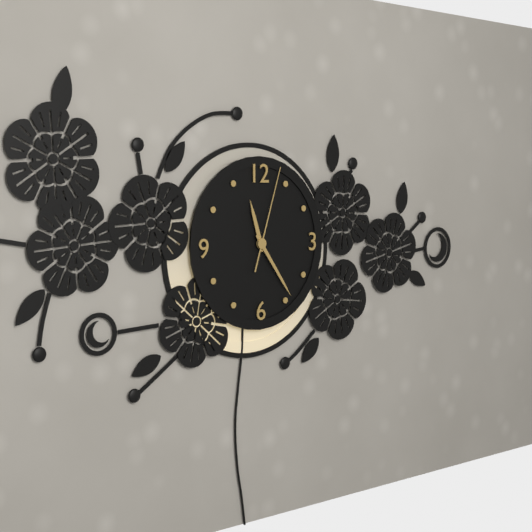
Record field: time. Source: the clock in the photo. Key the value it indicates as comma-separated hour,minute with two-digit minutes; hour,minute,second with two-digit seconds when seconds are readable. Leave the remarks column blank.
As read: 11,24,03
